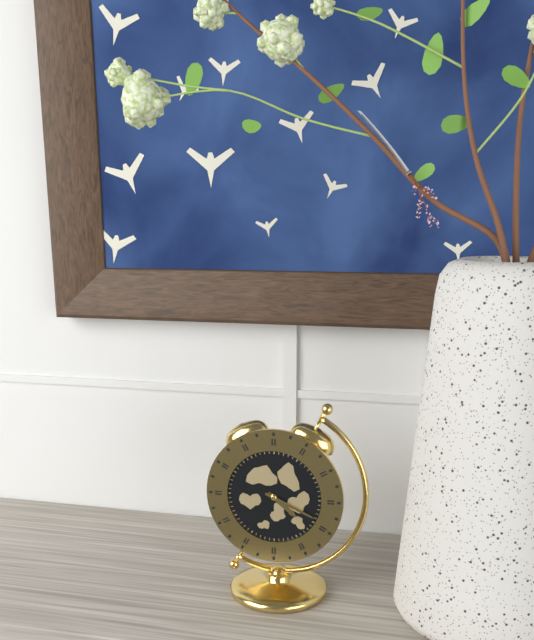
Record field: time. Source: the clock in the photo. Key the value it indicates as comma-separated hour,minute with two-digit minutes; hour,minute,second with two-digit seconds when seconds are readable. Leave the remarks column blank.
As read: 4,19
